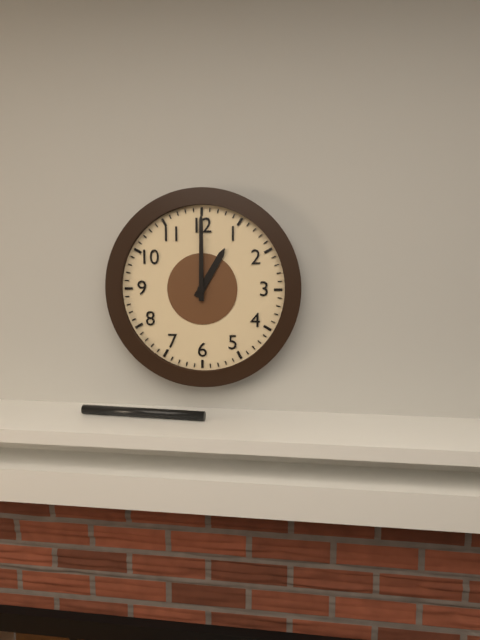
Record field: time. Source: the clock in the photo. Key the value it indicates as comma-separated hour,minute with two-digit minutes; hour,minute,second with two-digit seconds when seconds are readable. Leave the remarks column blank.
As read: 1,00
